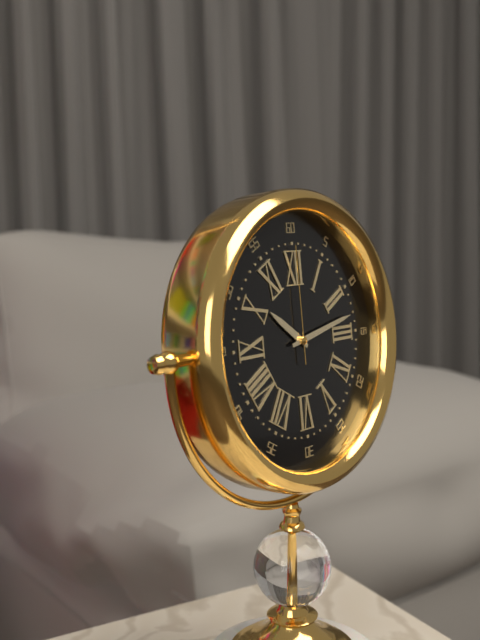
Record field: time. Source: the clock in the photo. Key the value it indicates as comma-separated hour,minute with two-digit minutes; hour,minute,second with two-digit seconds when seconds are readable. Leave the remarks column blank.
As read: 10,13,00
